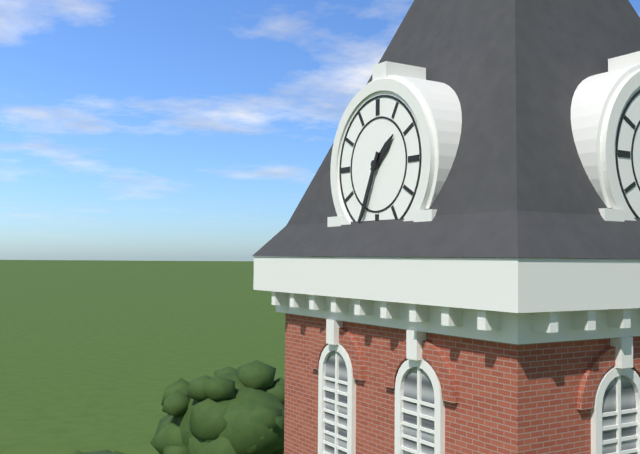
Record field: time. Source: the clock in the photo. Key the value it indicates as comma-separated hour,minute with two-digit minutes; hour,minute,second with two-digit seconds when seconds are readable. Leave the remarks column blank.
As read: 1,34
